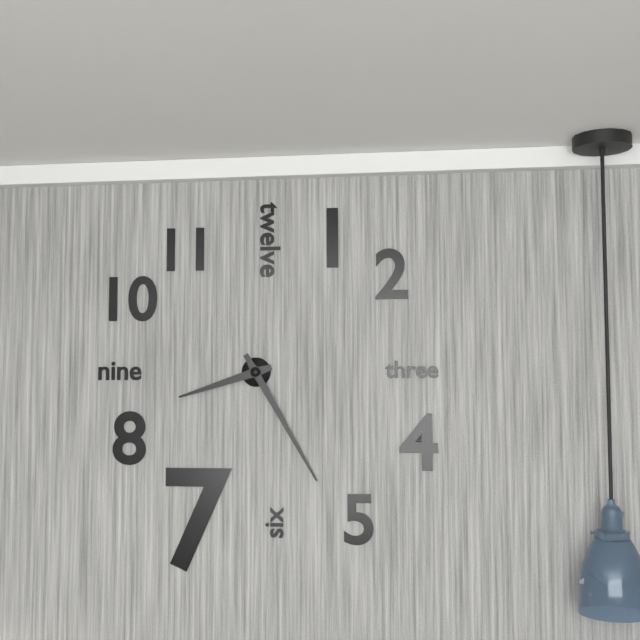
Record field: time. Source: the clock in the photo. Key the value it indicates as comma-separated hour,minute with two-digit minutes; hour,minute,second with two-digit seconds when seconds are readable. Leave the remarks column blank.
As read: 8,25
